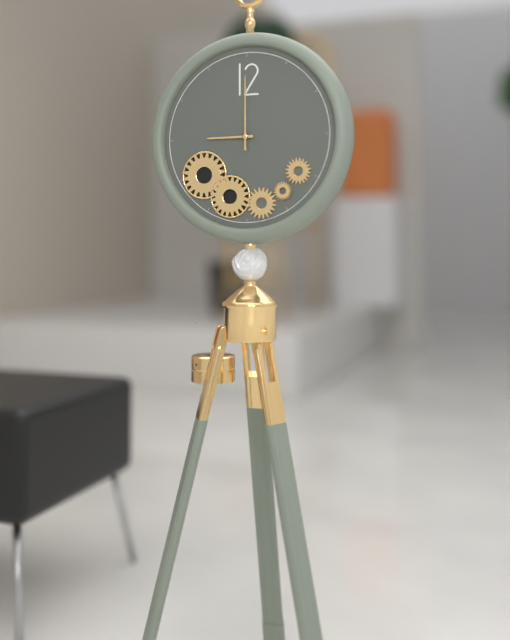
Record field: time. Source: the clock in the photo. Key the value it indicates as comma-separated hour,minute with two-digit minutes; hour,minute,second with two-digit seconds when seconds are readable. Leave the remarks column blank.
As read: 9,00
